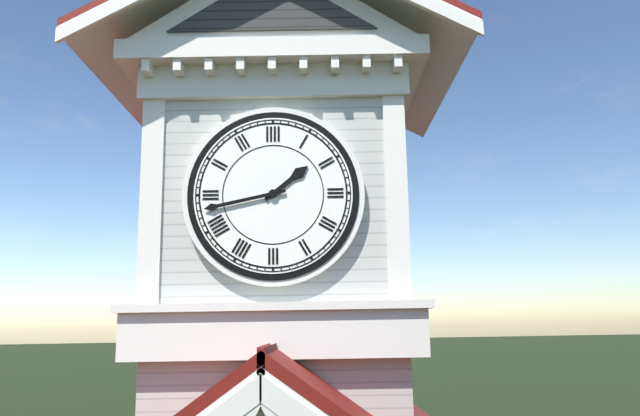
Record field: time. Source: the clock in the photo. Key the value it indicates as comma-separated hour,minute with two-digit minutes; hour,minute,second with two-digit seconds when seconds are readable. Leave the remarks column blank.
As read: 1,43
